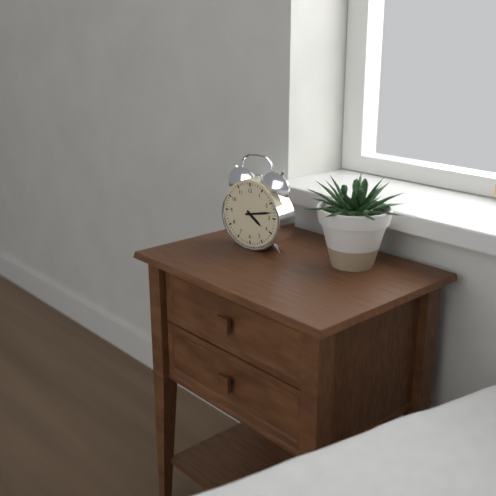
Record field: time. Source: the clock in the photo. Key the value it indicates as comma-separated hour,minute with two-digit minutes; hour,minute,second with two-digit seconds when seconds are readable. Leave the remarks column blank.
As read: 4,13
